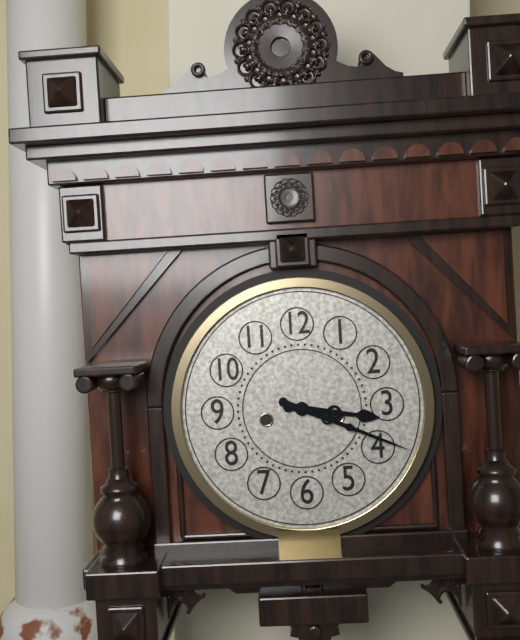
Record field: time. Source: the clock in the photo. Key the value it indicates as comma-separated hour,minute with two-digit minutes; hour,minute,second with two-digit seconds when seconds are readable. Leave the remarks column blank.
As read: 3,19
